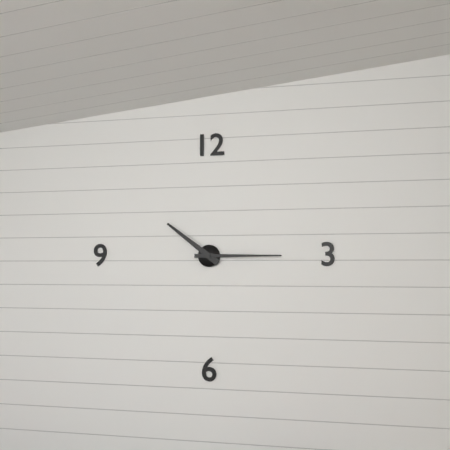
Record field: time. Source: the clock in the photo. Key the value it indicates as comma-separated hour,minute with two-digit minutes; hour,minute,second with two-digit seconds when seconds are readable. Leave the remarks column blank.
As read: 10,15
